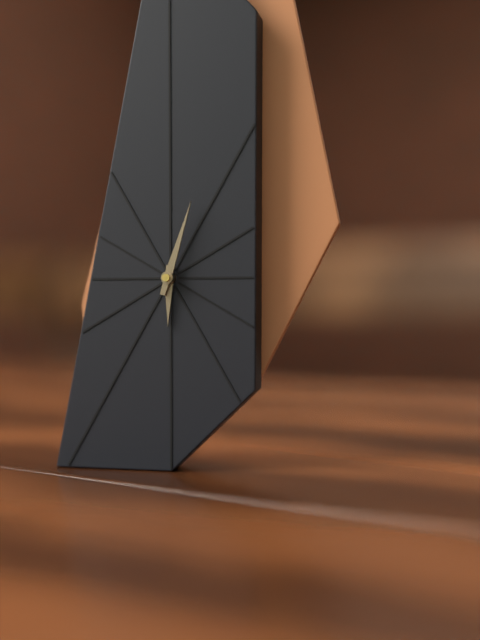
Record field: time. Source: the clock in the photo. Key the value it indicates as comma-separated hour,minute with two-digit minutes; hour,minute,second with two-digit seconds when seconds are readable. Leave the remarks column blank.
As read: 6,03
